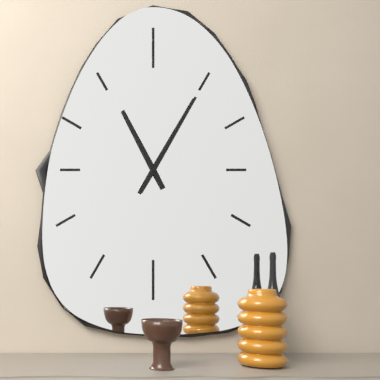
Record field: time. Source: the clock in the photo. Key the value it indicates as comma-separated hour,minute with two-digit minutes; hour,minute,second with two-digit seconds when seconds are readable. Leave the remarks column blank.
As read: 11,05
